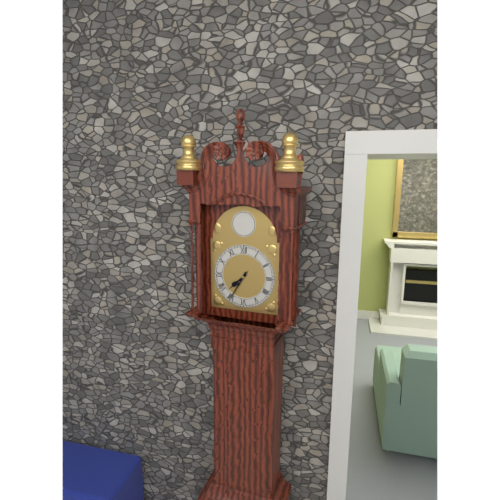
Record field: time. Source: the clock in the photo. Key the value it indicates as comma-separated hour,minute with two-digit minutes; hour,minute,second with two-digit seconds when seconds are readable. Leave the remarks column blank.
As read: 7,35
